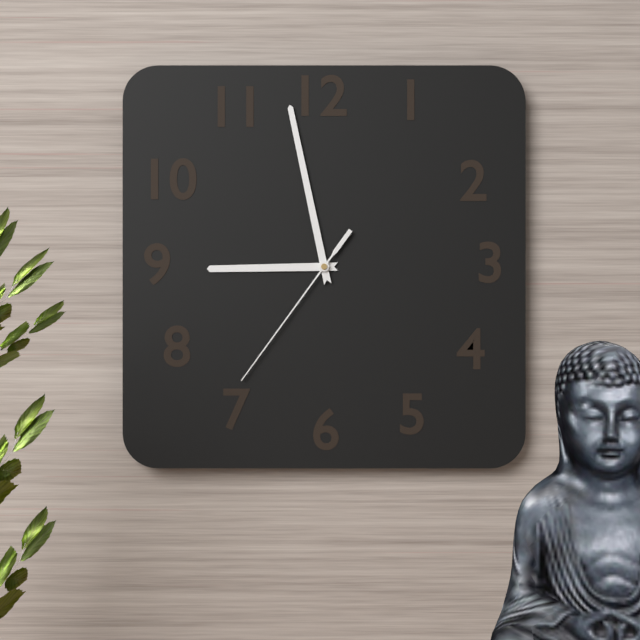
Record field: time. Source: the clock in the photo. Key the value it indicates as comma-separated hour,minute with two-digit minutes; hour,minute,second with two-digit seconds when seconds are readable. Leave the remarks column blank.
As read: 8,58,36
